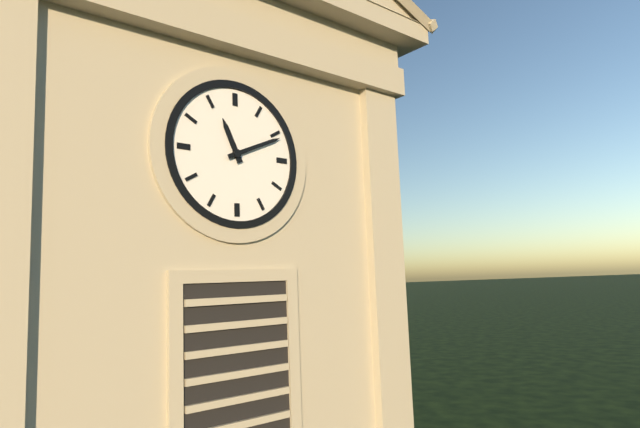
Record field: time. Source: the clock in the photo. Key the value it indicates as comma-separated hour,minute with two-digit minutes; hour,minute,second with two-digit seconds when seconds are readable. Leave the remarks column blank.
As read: 11,11
